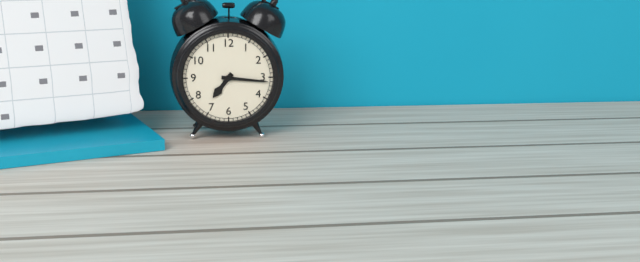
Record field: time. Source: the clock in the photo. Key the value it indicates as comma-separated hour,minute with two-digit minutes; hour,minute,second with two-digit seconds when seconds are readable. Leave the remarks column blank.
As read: 7,16
